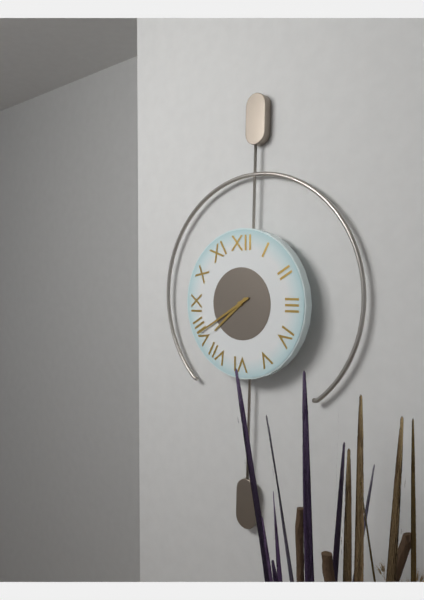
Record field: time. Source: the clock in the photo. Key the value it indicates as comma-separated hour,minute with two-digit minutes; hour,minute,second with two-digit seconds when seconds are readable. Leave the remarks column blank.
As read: 7,40
